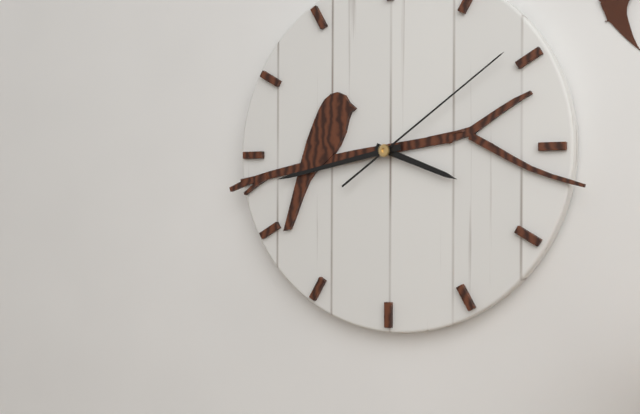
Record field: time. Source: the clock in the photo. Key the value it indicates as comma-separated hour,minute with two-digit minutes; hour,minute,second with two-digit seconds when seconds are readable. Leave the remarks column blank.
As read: 3,43,09
